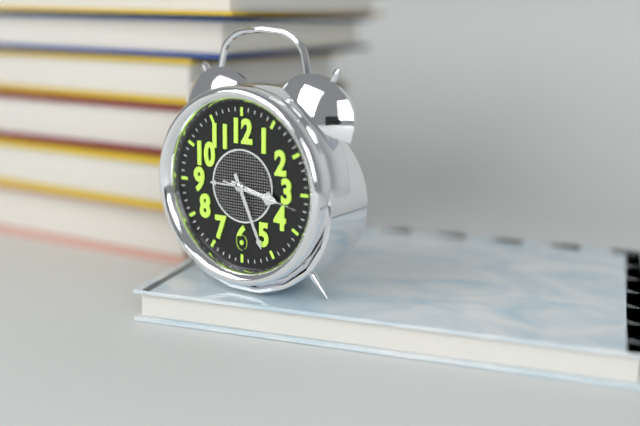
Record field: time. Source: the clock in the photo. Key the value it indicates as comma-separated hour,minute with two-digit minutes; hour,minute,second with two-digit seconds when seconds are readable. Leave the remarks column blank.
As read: 3,26,17
